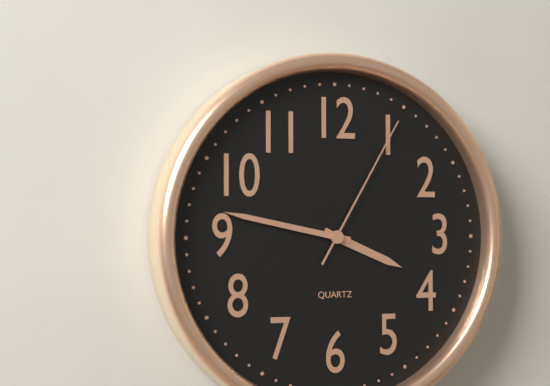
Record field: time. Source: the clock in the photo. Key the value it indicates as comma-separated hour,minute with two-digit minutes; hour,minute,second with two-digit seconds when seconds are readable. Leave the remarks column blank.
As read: 3,47,05
